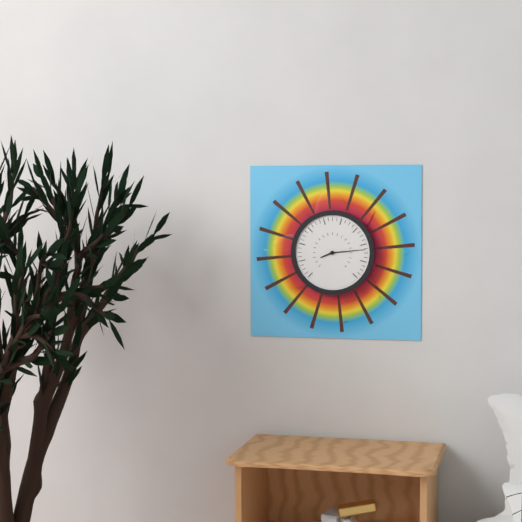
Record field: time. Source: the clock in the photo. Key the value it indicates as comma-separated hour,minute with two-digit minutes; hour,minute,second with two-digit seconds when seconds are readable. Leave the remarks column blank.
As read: 8,14
